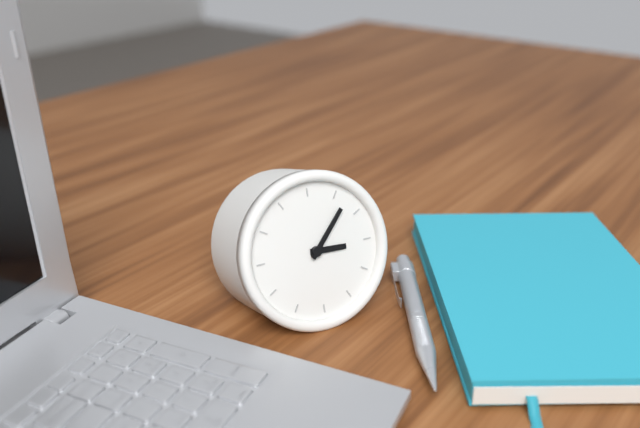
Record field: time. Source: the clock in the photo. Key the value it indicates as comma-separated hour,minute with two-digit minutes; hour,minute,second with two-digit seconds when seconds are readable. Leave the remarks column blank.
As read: 3,07
